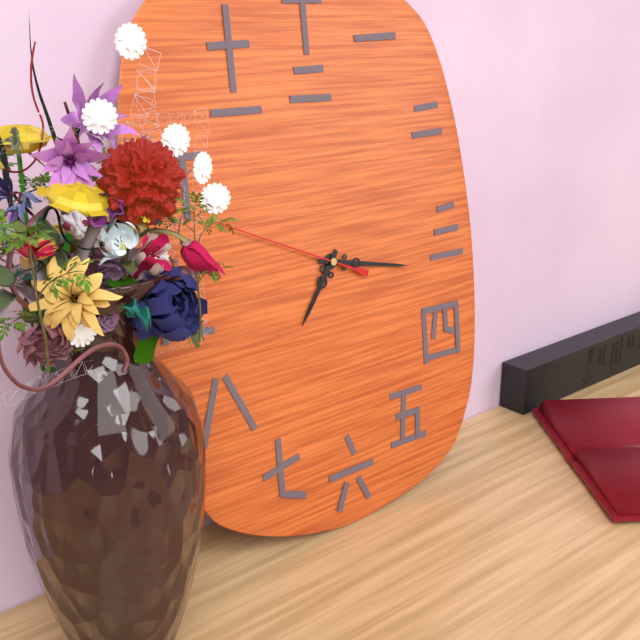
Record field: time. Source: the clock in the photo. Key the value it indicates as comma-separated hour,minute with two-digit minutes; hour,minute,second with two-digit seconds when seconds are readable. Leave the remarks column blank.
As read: 7,17,49
